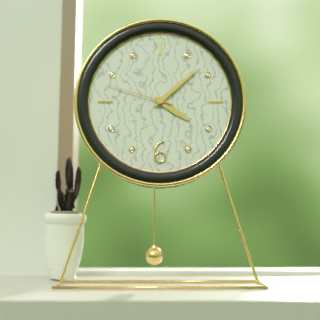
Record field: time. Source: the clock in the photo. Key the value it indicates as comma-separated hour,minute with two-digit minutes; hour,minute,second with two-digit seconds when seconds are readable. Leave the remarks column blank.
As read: 4,08,48
